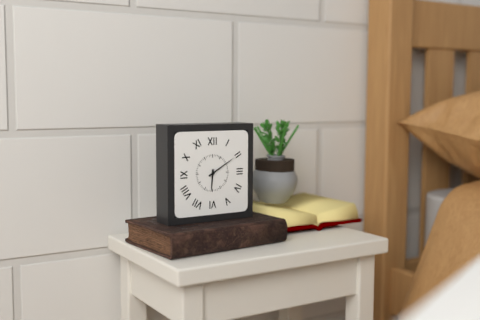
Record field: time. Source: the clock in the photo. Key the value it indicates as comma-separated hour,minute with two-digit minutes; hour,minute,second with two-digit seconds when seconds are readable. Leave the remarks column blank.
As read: 6,10
